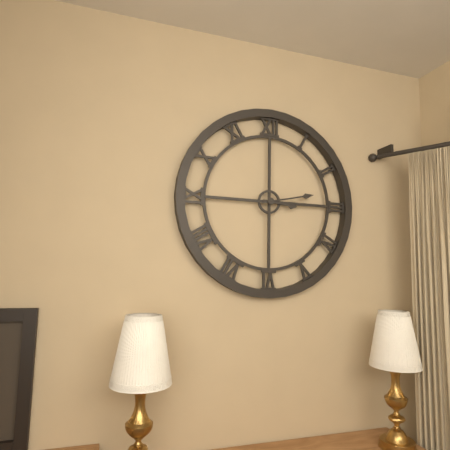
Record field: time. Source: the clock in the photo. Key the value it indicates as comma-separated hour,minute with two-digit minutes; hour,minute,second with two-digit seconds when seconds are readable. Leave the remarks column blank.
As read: 3,13
